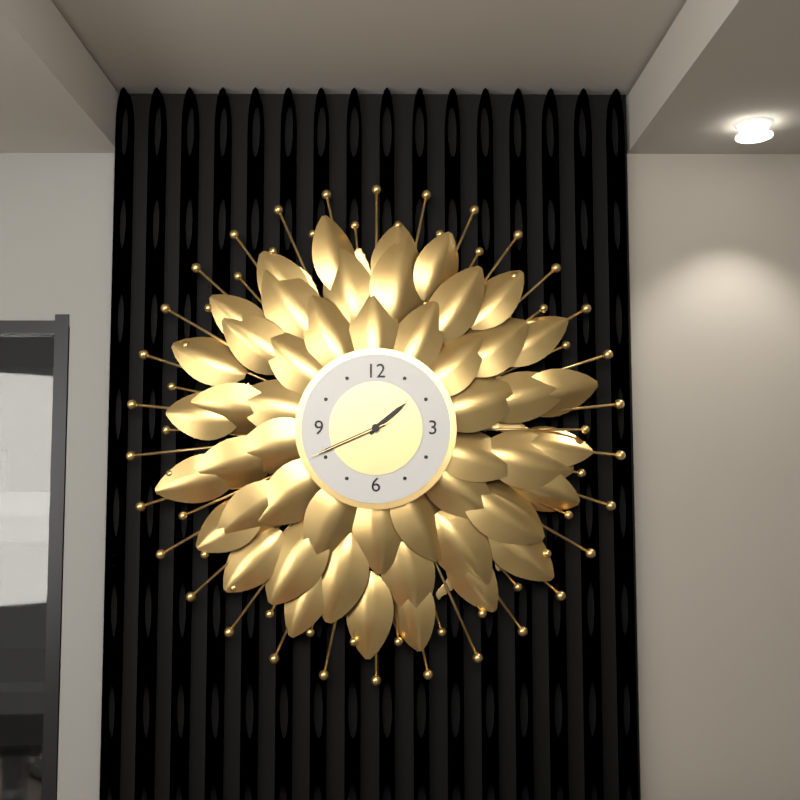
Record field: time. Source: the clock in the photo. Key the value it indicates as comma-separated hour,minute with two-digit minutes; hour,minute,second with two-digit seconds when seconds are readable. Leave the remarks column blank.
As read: 1,41,41
